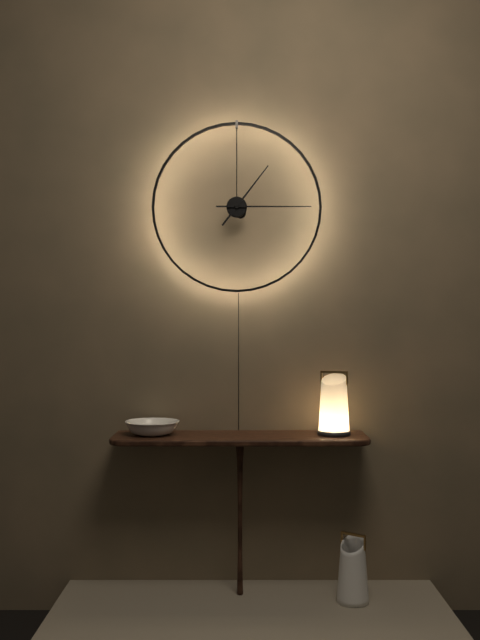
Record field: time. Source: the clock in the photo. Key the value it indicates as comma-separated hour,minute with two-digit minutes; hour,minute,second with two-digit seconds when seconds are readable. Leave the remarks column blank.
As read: 1,15
